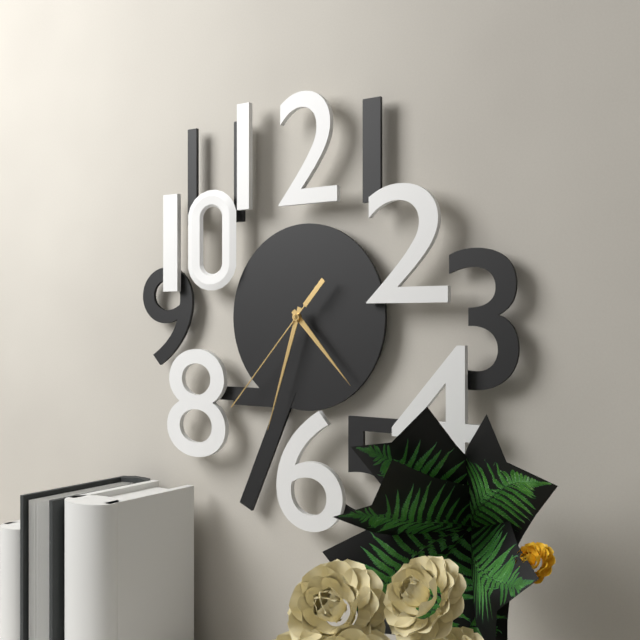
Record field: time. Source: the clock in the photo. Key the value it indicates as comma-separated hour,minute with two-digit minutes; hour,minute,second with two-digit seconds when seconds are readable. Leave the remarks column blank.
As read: 4,33,37
